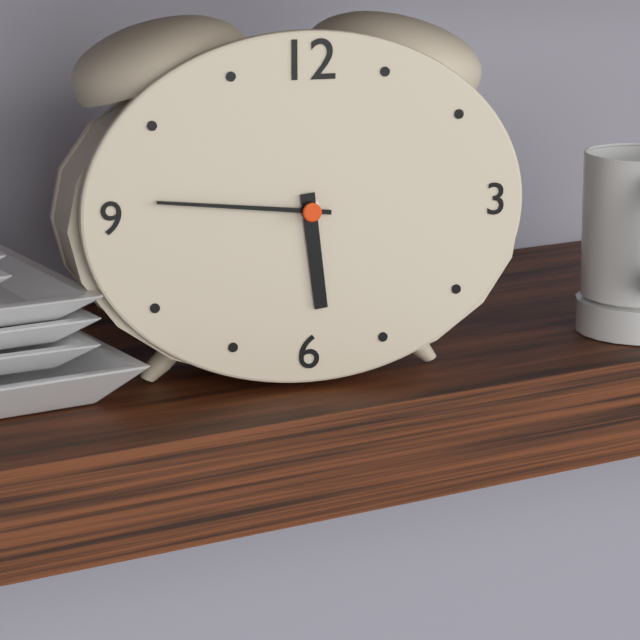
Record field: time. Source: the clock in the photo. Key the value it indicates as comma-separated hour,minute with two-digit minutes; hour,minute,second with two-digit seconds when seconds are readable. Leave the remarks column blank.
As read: 5,46
